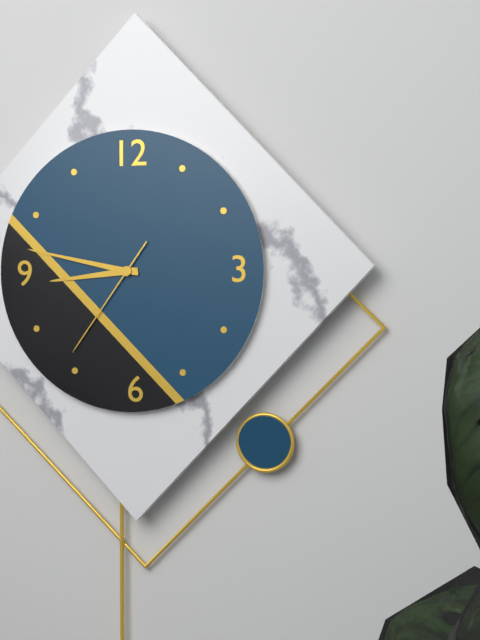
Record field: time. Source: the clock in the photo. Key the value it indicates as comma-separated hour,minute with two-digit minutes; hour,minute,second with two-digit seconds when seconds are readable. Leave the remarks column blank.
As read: 8,47,36
